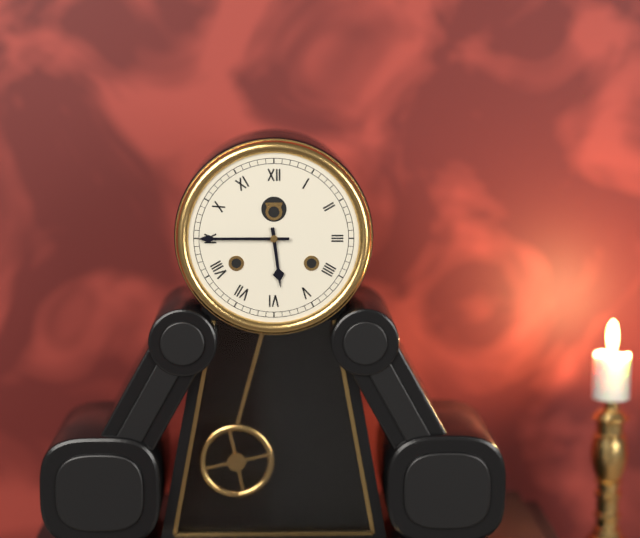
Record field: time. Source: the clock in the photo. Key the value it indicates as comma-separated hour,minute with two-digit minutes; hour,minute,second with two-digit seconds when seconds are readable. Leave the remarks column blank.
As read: 5,45
